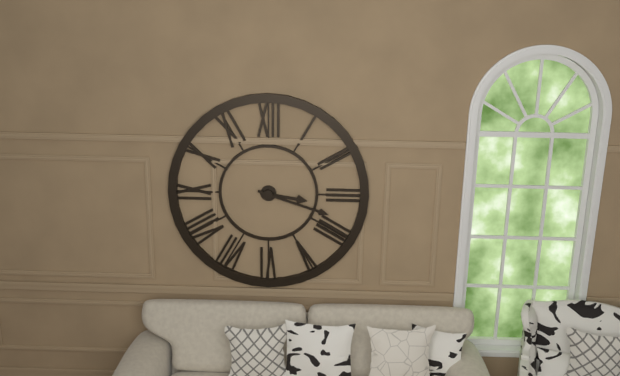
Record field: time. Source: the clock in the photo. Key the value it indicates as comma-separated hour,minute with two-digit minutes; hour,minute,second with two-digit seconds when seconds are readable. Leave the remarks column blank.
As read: 3,18
